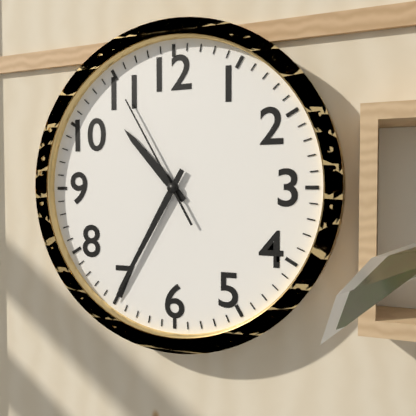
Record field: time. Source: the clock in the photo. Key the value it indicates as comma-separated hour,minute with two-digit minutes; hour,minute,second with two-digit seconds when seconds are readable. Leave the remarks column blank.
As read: 10,35,55
